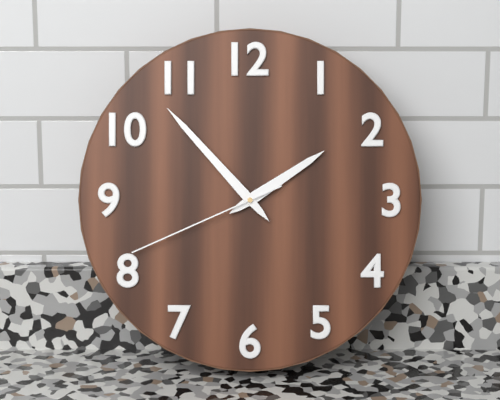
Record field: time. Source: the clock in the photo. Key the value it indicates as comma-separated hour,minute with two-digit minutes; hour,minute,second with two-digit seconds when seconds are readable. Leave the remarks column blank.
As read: 1,53,41
